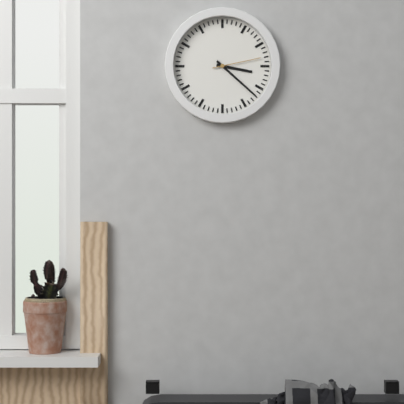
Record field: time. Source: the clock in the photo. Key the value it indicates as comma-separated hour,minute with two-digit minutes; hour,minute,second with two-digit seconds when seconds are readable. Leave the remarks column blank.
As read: 3,22
